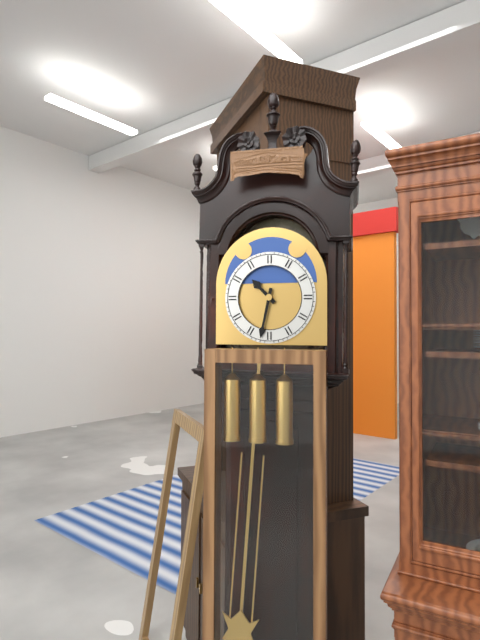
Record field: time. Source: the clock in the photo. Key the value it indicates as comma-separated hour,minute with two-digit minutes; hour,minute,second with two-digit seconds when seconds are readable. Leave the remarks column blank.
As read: 10,32
